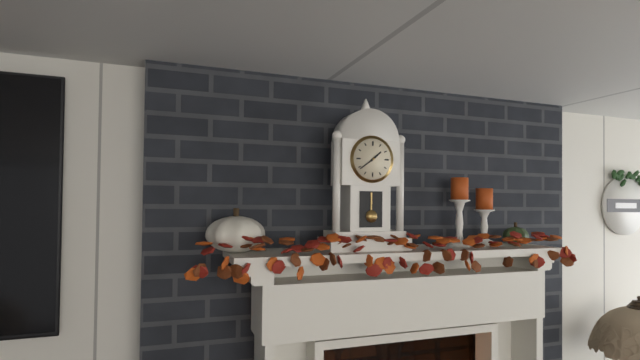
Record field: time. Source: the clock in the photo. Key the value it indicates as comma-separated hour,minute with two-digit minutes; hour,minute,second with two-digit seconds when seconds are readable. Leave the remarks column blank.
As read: 1,39
